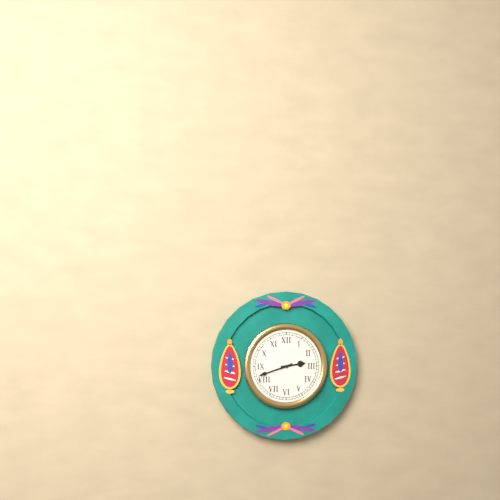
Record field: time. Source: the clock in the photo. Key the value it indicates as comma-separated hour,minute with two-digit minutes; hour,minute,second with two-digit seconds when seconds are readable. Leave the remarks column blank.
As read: 2,42
